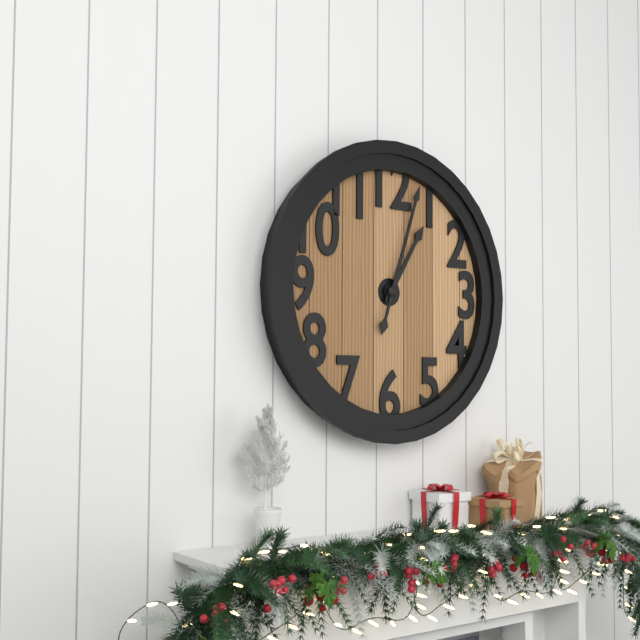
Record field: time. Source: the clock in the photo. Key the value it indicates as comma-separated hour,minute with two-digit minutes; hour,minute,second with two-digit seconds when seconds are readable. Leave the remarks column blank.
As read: 1,03
